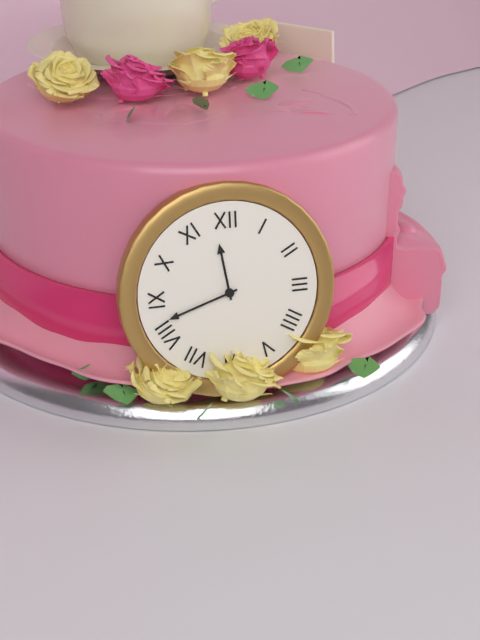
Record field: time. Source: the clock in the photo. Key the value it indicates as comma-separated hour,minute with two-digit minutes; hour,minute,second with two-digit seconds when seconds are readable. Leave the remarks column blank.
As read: 11,42
